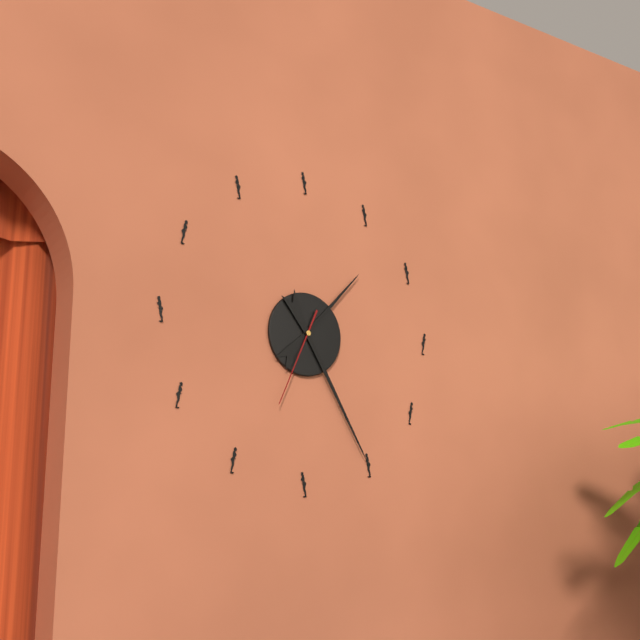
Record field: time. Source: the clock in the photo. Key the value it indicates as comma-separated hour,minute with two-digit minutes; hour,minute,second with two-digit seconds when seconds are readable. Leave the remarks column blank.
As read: 1,25,34
